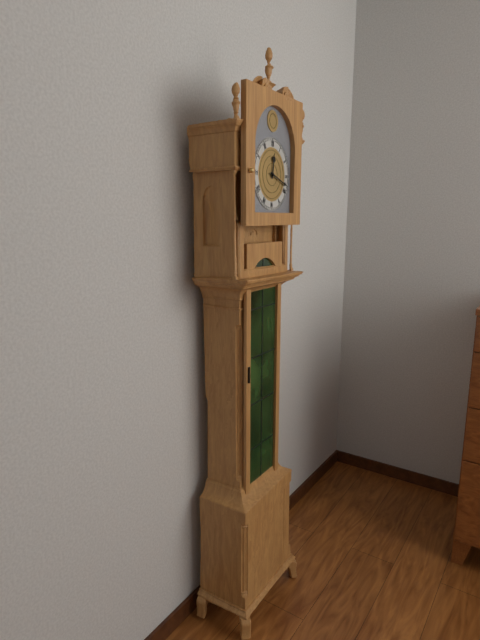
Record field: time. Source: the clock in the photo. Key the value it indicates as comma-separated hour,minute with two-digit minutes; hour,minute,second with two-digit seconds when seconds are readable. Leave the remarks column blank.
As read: 12,18
